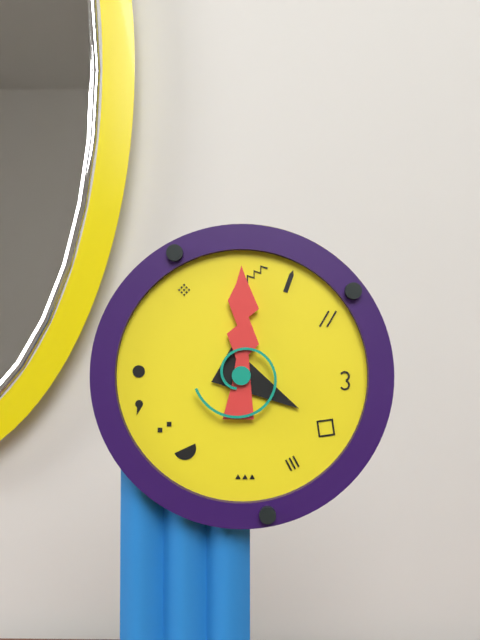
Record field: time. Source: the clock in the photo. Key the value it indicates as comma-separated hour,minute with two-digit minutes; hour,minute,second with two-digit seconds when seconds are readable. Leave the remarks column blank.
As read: 4,00
